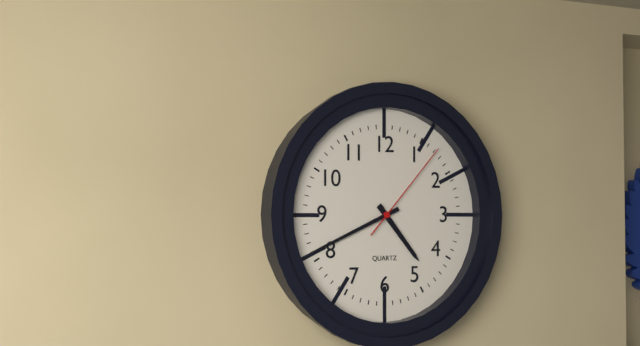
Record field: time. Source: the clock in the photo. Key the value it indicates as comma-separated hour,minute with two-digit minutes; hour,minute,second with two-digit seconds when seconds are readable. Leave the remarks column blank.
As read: 4,41,07
